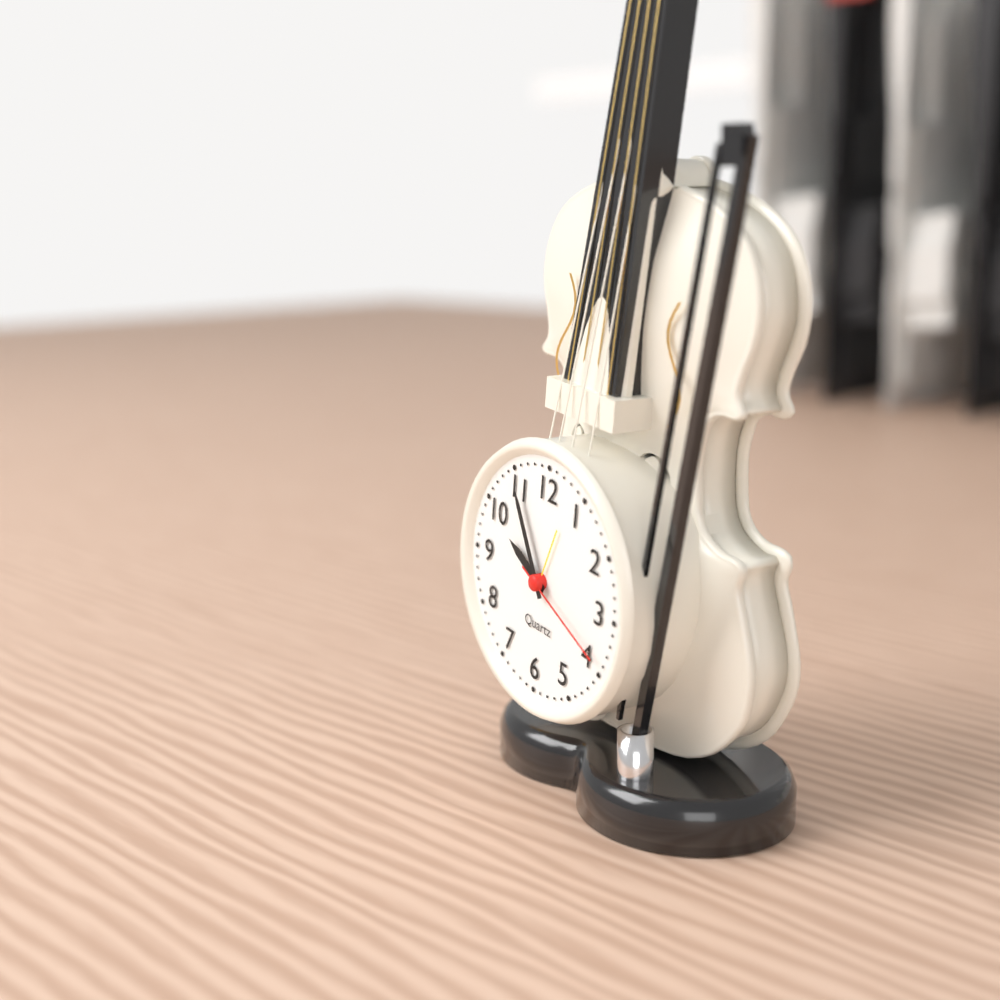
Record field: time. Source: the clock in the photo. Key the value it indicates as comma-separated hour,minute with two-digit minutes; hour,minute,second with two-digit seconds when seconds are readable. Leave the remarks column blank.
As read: 9,55,19
